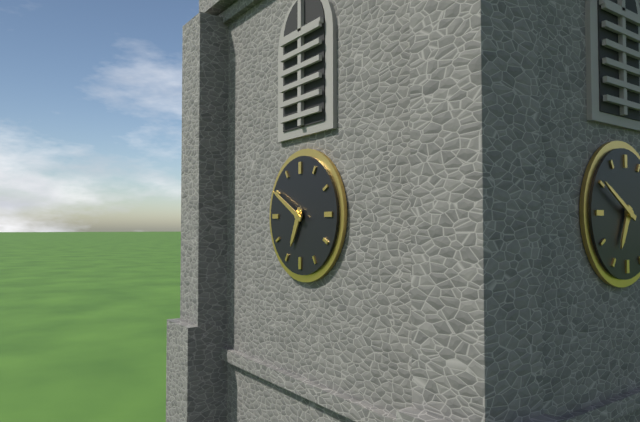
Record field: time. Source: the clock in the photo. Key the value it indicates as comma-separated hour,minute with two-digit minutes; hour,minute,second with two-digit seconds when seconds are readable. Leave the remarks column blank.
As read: 6,50
